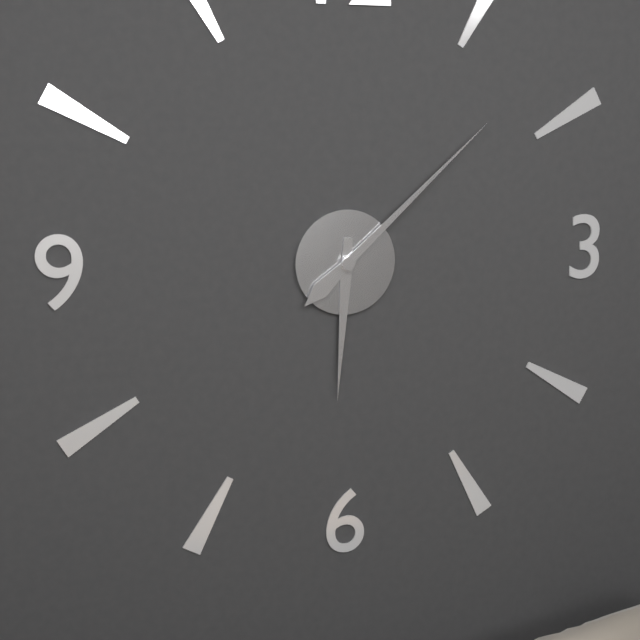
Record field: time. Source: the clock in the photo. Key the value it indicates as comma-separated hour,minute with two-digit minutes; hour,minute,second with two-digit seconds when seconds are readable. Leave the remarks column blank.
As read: 6,08
